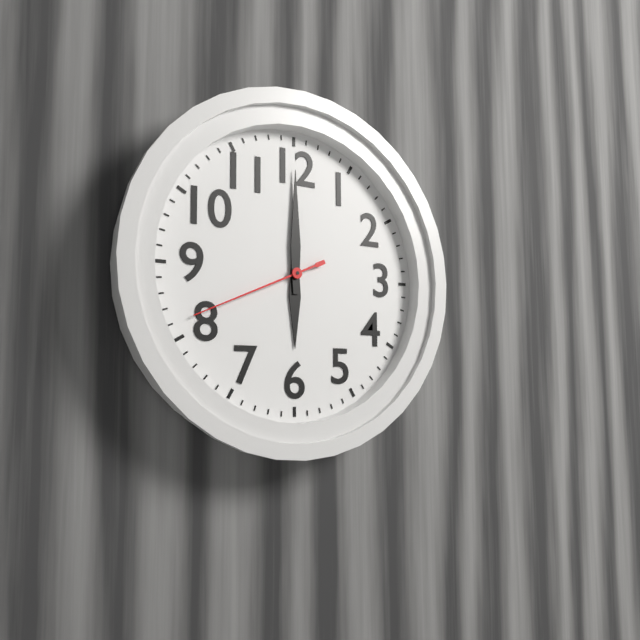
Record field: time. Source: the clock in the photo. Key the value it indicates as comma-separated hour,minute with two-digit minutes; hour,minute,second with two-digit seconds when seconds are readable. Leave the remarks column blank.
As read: 6,00,41
